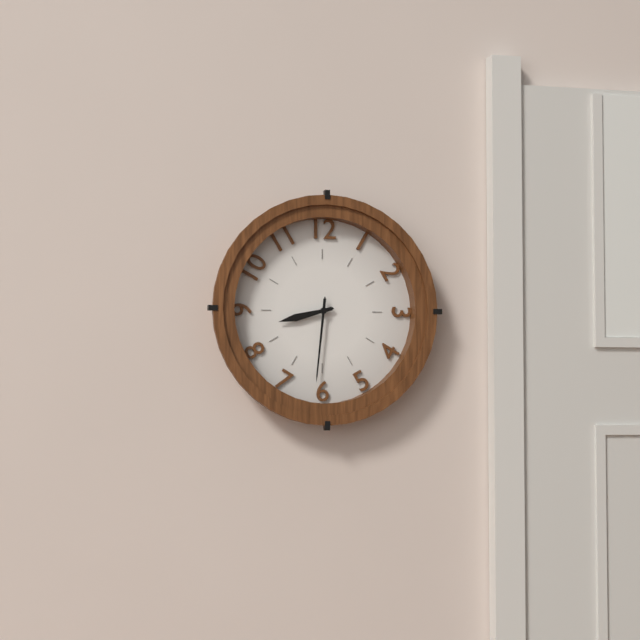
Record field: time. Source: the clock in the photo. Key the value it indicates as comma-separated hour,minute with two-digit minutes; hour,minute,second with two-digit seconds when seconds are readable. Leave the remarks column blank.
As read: 8,31
